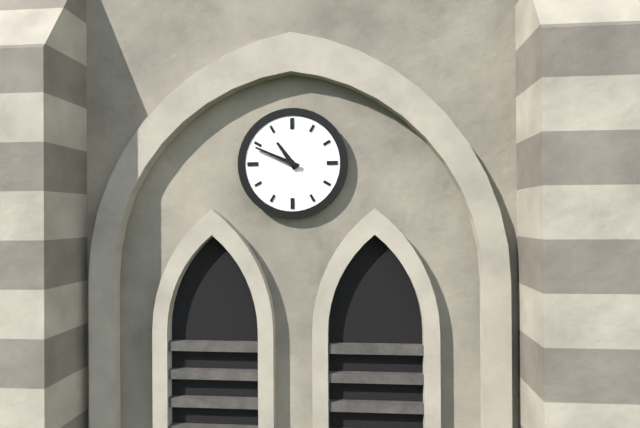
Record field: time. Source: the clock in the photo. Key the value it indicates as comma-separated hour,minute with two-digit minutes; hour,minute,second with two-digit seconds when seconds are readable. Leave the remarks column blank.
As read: 10,49
